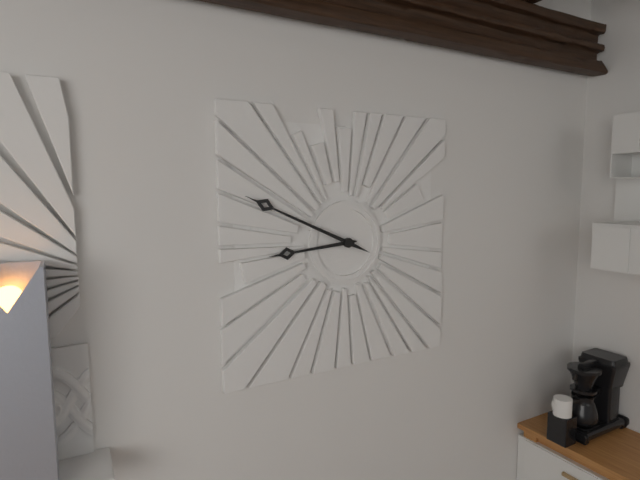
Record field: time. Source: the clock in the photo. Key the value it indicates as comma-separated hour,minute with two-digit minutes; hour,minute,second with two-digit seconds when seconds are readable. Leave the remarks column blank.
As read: 8,49
